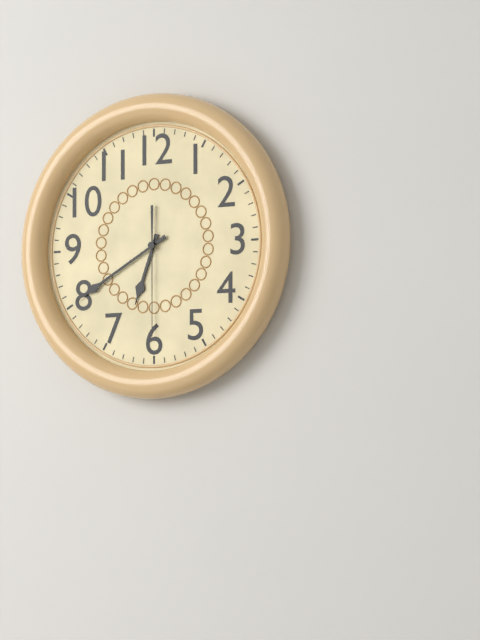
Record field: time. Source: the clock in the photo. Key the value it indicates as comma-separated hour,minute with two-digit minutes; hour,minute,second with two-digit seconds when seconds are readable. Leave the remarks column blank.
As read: 6,40,30
